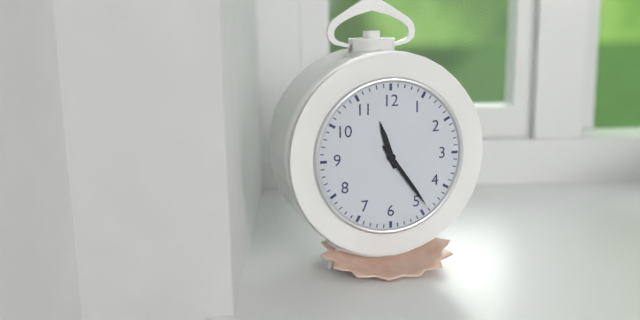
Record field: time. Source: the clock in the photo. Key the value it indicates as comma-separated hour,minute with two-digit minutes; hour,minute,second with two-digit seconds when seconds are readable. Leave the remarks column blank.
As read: 11,24
